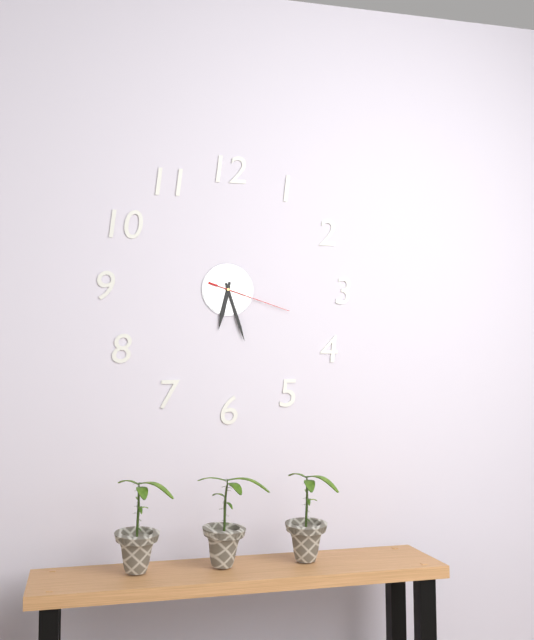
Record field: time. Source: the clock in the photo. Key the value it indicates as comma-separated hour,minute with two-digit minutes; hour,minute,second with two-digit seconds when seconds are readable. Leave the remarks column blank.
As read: 6,27,18
